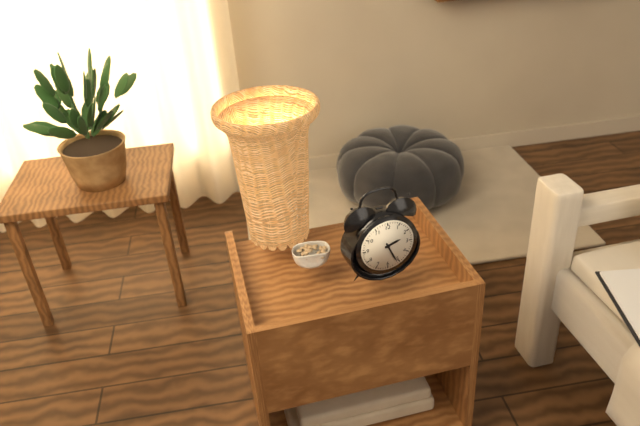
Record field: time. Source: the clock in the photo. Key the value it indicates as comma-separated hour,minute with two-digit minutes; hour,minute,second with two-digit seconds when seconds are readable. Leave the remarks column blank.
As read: 2,26
